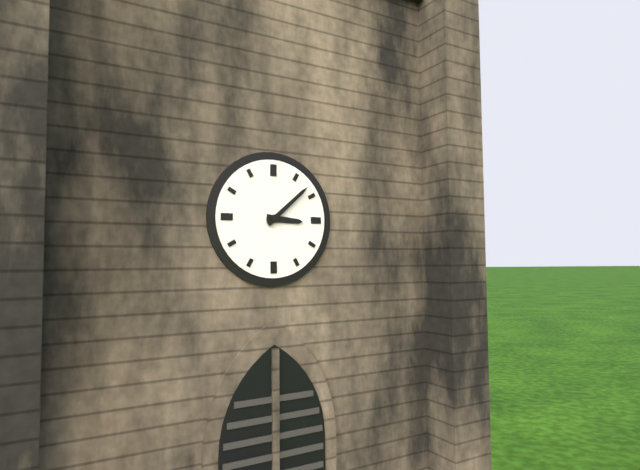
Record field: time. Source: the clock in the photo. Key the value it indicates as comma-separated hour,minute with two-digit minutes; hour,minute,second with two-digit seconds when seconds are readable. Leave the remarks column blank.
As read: 3,08
